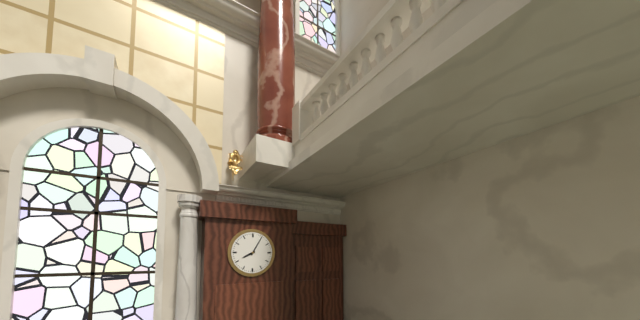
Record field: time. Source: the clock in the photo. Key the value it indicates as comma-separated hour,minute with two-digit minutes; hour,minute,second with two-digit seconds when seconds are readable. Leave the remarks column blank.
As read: 8,05
